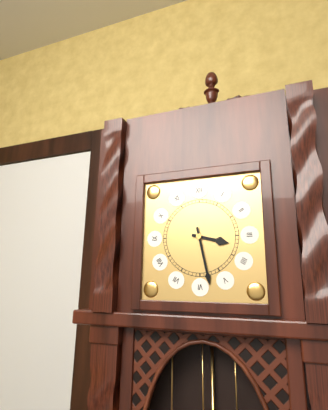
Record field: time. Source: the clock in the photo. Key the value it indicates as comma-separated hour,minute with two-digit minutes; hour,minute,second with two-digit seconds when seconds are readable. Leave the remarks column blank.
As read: 3,28
